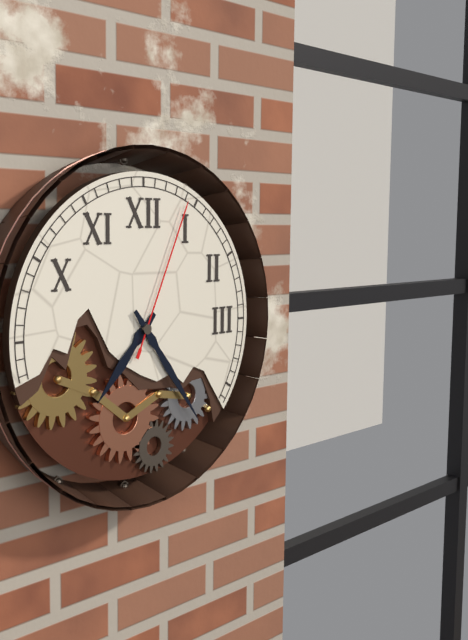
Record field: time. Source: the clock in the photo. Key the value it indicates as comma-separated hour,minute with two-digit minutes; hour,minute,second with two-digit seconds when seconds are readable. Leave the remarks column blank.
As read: 7,24,04
